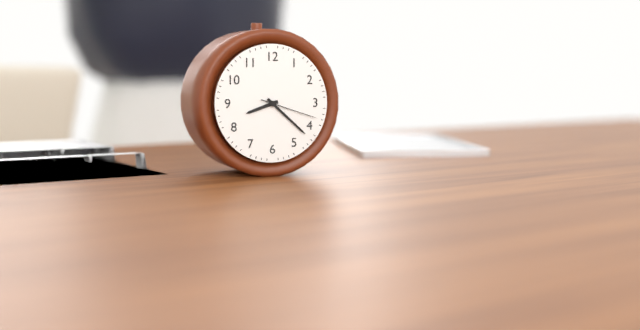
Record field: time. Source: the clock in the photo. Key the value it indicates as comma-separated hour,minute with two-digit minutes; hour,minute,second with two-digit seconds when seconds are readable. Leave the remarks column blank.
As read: 8,22,18
